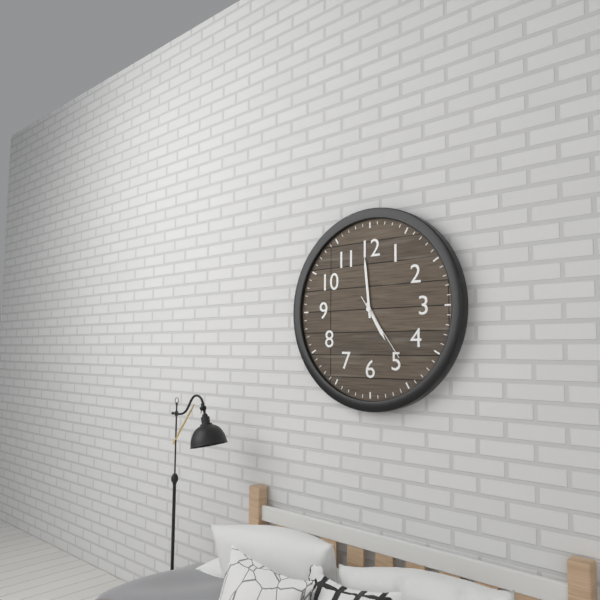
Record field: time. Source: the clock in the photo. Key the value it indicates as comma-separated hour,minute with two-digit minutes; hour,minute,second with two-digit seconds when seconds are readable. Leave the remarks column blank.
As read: 4,59,24
